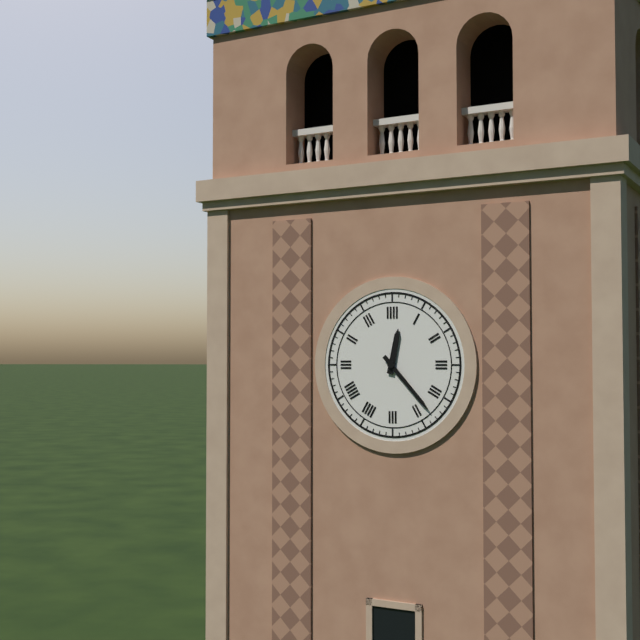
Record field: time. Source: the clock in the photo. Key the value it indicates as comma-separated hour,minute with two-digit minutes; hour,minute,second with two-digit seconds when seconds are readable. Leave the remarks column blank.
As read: 12,23
